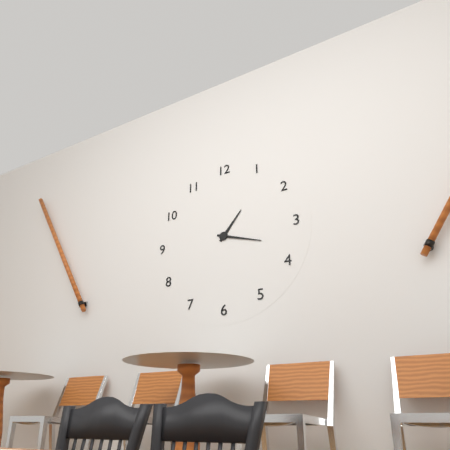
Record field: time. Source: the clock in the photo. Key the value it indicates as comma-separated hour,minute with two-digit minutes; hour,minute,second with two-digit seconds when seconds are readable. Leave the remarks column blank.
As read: 1,18
